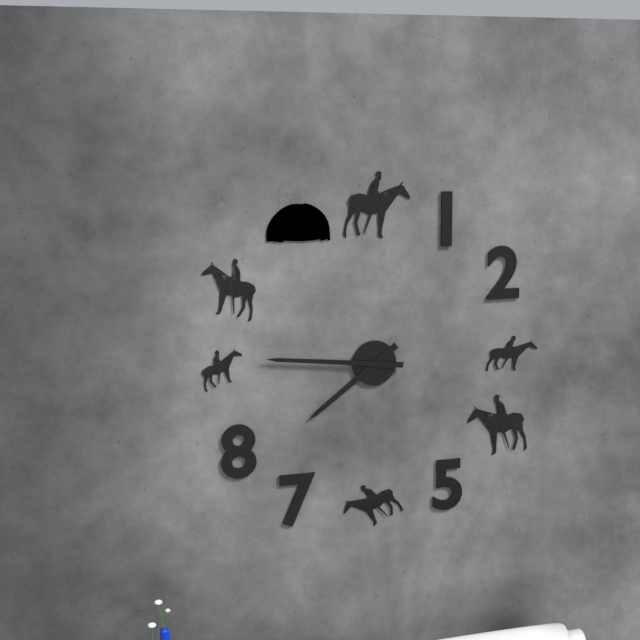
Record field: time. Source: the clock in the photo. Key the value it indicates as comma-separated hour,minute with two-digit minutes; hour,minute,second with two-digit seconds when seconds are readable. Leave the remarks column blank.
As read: 7,46
